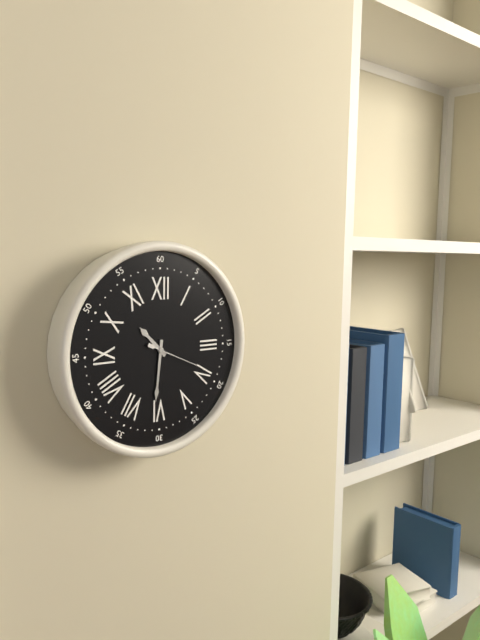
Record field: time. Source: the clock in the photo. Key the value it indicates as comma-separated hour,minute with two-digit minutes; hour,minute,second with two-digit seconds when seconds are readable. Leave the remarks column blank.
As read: 10,31,19
